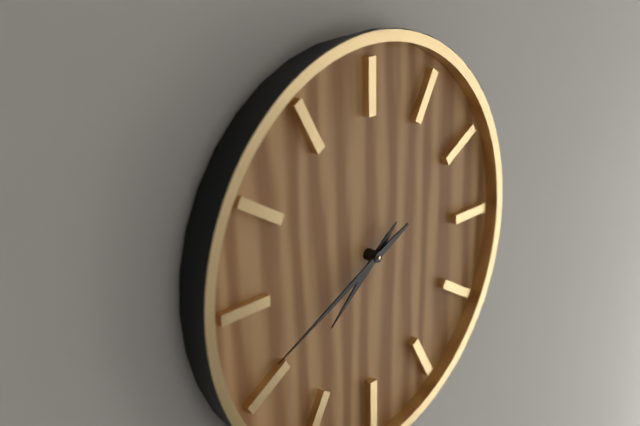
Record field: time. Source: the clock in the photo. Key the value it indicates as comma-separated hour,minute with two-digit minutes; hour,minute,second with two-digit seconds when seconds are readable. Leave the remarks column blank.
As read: 7,41
